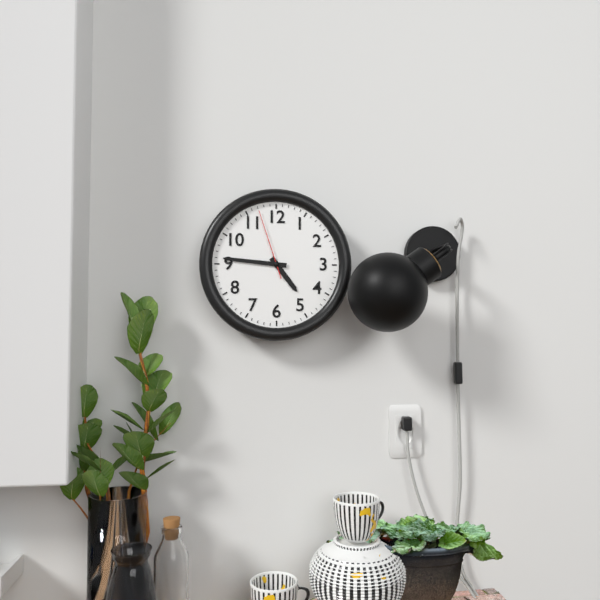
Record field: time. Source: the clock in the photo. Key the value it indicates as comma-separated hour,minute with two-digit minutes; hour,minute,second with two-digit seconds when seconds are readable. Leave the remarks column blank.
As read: 4,46,57
